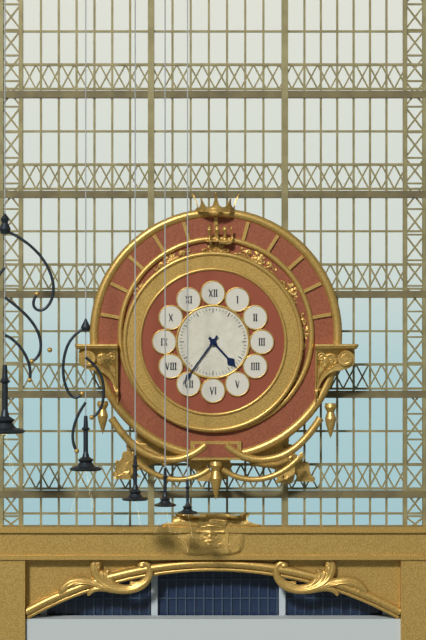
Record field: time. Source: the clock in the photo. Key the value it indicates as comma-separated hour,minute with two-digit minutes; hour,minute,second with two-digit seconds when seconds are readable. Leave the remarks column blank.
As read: 4,36
